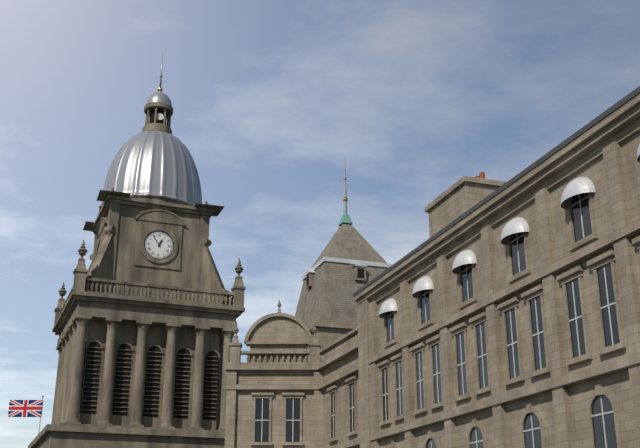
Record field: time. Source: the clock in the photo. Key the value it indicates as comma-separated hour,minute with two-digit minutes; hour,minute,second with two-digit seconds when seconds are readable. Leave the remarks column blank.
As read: 12,54
